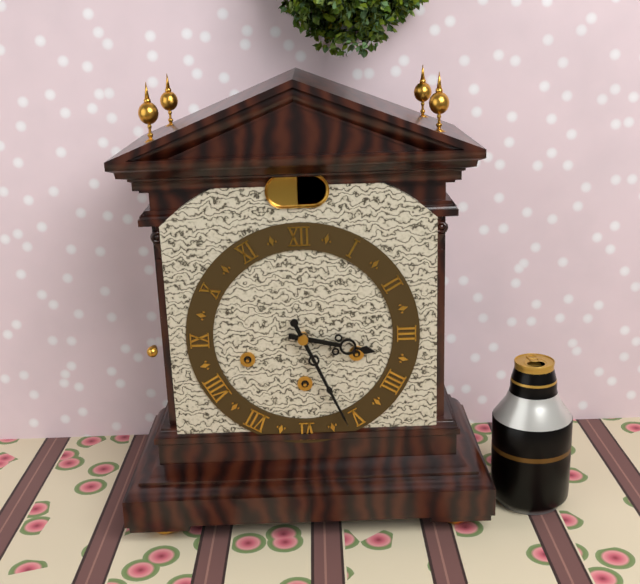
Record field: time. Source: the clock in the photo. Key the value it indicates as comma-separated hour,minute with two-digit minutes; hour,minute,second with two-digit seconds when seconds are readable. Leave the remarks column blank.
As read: 3,26
